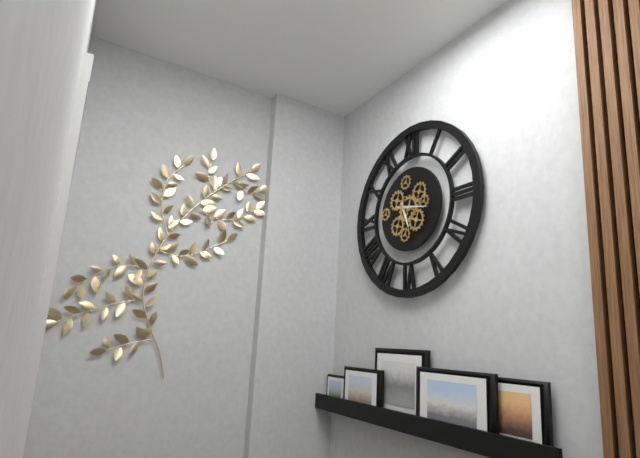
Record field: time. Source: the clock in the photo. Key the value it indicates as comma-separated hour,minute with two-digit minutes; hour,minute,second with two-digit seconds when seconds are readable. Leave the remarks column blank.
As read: 5,17
